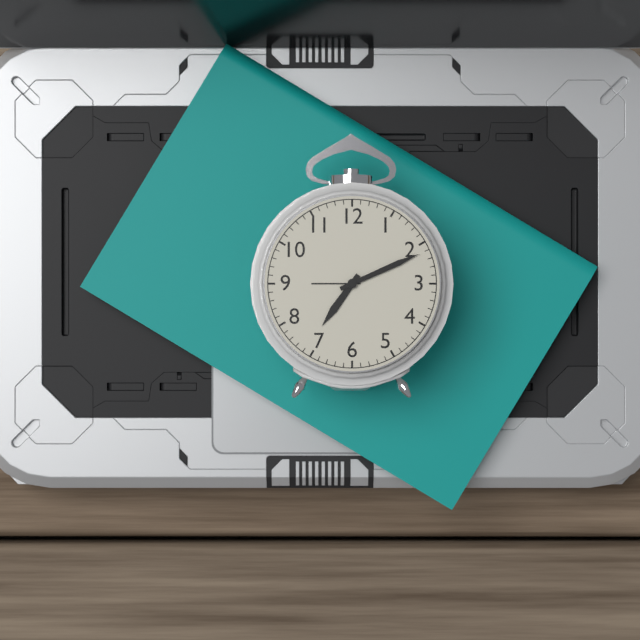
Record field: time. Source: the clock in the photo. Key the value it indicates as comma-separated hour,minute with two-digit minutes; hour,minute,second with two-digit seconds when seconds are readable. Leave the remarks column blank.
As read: 7,11
